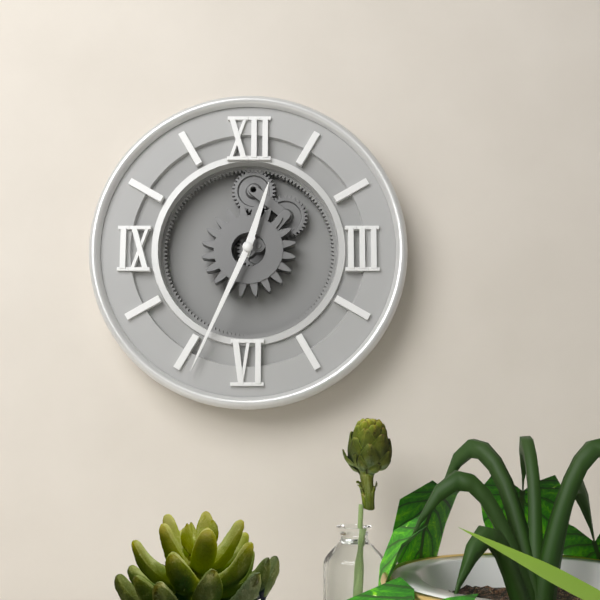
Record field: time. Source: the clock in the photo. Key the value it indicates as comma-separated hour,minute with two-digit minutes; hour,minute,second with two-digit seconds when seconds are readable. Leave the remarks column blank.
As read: 12,34
